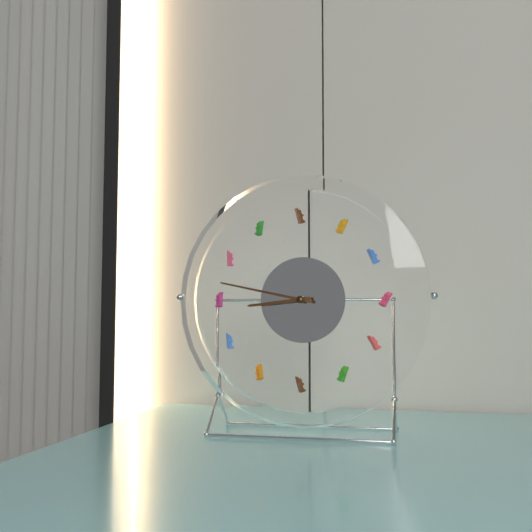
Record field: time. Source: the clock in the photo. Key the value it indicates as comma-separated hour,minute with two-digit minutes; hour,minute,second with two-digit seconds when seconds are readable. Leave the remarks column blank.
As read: 8,47
